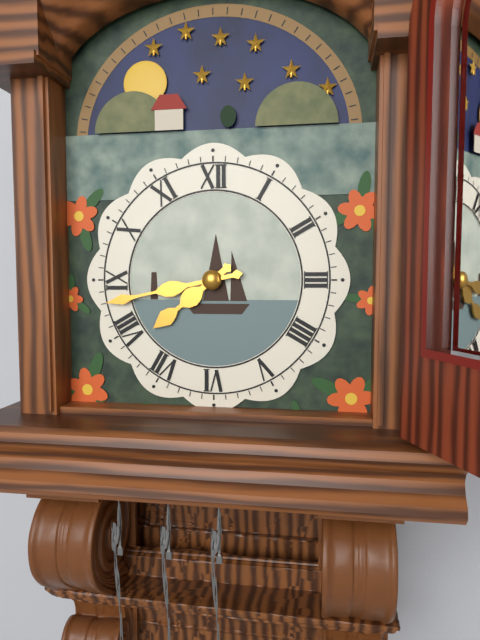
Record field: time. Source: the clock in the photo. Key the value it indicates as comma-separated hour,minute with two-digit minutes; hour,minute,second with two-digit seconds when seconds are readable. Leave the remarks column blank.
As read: 7,43
